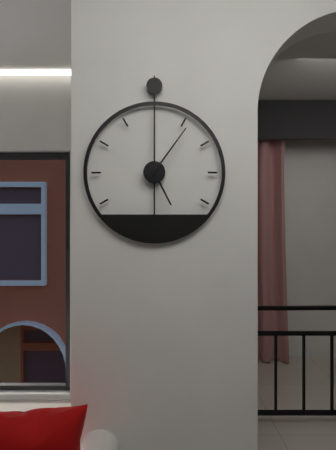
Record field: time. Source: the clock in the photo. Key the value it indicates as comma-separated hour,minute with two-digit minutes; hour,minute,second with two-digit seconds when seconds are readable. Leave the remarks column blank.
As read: 5,06
